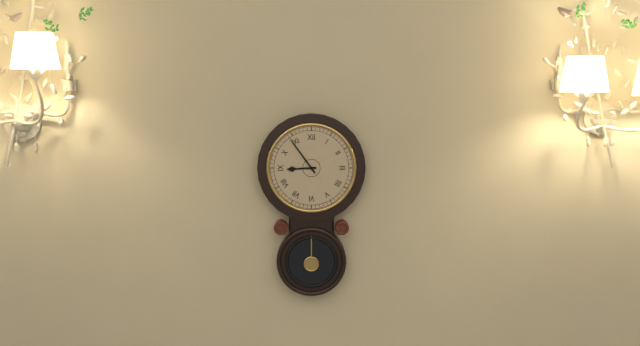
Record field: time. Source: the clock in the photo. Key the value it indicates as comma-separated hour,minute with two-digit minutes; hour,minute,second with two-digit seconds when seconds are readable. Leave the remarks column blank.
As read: 8,54
